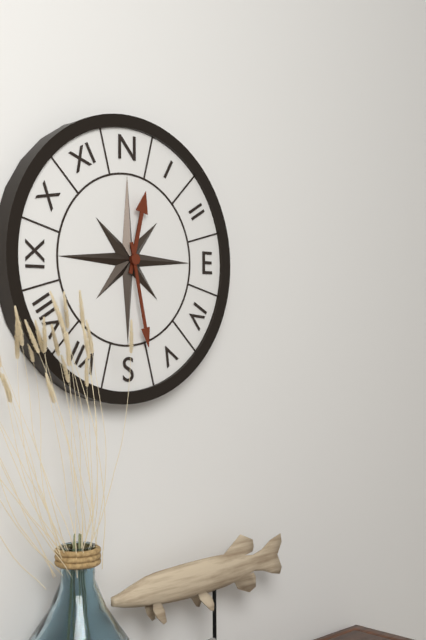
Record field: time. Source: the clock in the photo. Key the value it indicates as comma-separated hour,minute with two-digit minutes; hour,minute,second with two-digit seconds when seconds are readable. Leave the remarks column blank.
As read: 12,28
